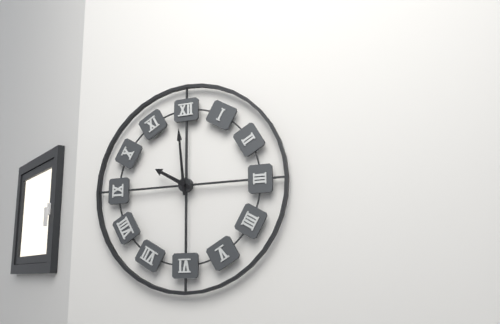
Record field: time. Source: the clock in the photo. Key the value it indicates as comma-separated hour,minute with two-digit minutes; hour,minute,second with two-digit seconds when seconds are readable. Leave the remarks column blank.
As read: 9,59
